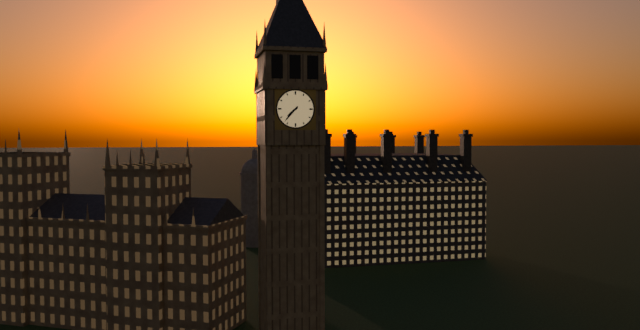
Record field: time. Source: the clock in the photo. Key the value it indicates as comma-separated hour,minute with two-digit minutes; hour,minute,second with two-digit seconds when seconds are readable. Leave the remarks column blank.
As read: 7,37
